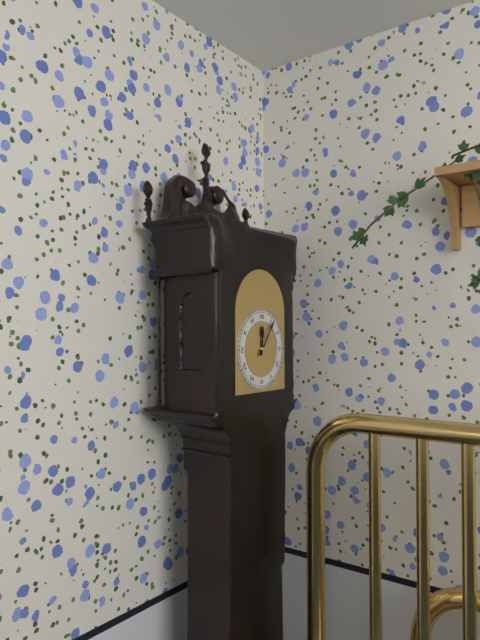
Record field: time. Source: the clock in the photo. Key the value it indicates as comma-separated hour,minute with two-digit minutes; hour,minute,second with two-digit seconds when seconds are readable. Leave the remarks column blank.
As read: 12,06
